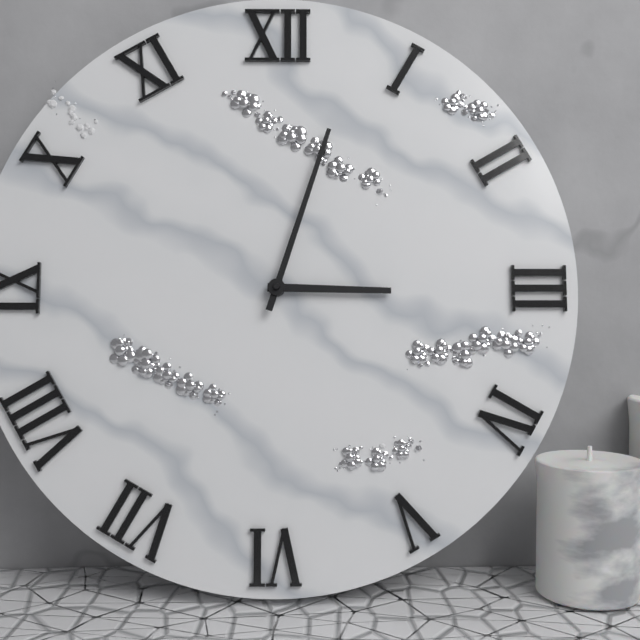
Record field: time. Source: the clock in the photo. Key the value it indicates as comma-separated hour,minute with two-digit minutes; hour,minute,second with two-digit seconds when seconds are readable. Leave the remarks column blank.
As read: 3,03
